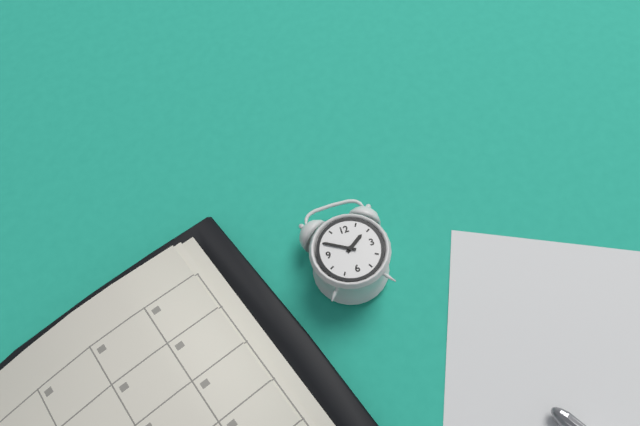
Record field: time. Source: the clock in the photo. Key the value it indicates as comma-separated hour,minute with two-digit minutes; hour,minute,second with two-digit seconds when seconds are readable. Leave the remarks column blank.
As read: 1,50
